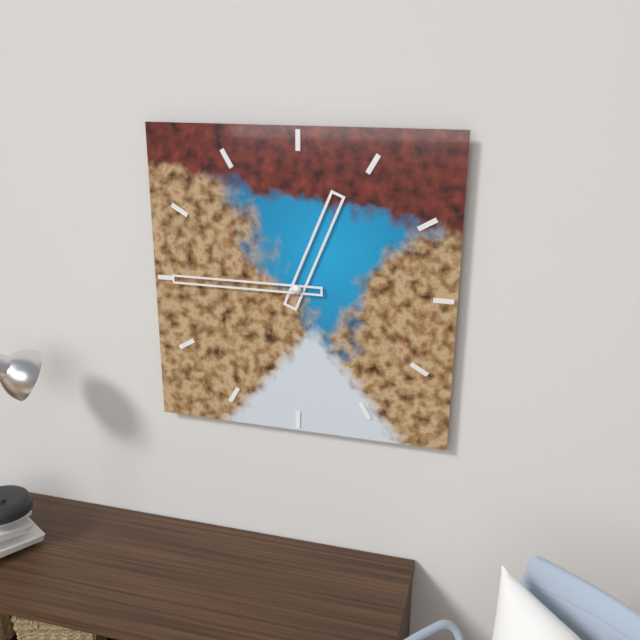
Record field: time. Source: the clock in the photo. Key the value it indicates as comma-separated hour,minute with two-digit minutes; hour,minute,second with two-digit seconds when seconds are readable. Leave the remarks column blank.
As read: 12,45
